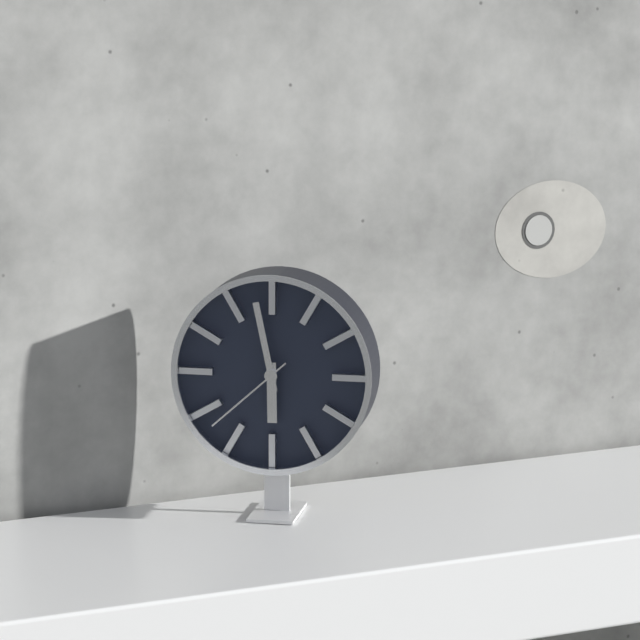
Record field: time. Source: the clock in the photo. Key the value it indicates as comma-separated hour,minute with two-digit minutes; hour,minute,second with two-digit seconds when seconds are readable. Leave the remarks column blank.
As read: 5,58,38
